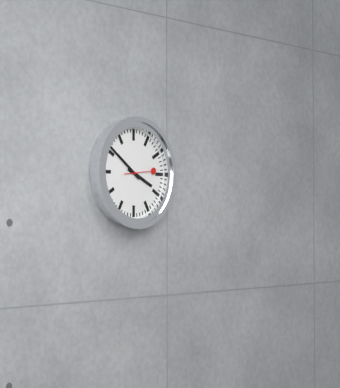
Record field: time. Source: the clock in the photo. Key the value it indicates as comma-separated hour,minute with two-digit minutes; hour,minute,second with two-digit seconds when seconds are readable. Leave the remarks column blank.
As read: 3,51
